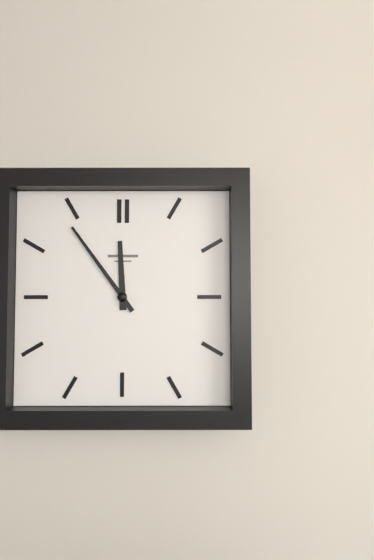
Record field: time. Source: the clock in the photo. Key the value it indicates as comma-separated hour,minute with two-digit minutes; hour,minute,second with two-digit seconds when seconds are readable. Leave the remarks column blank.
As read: 11,54
